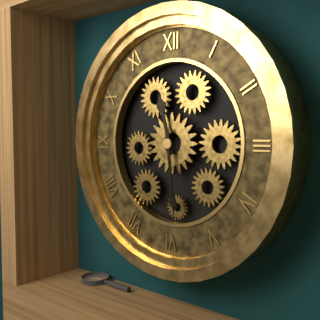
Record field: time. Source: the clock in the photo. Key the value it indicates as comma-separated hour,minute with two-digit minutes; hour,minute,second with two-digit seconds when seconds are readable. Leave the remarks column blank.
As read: 11,29
